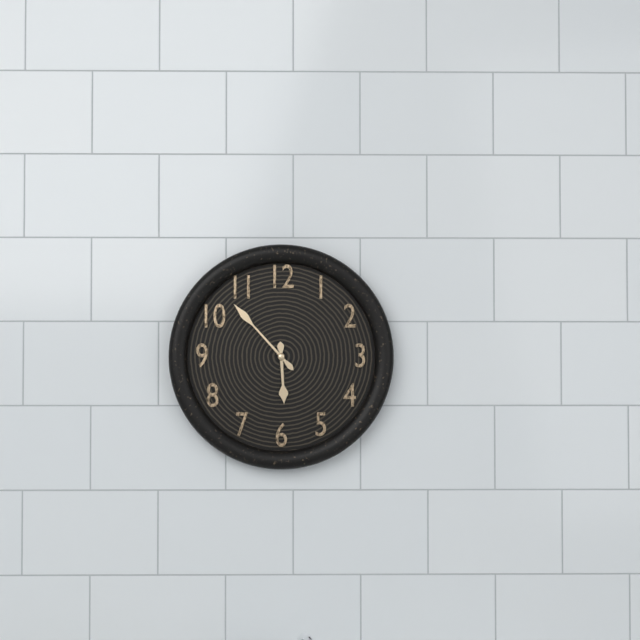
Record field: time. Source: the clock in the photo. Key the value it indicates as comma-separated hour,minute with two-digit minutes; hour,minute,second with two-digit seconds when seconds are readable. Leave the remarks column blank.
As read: 5,53
